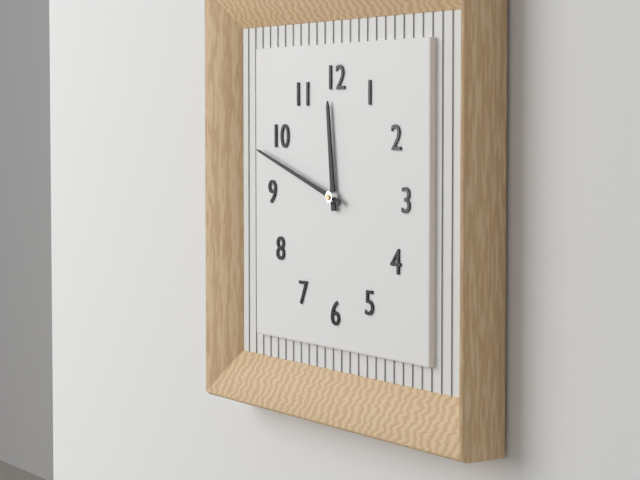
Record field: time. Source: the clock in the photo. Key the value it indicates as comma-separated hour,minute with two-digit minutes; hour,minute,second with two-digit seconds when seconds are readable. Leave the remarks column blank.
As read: 11,48
